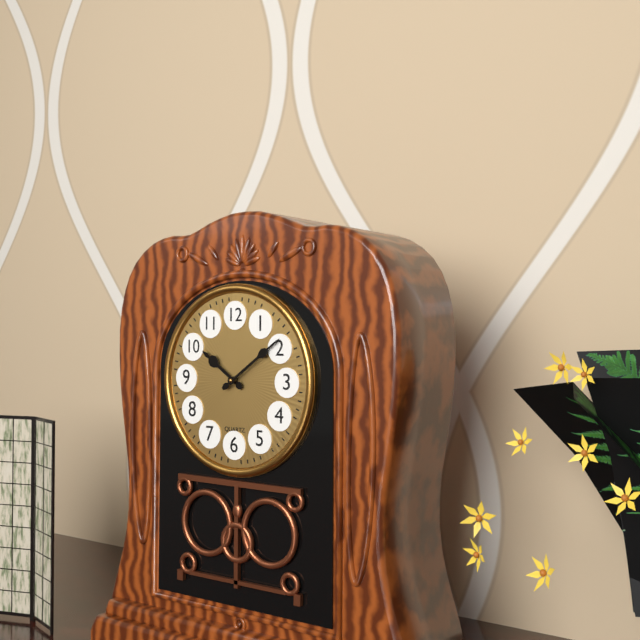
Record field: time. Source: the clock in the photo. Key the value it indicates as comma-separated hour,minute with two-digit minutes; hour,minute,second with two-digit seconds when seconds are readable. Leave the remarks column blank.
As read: 10,09
